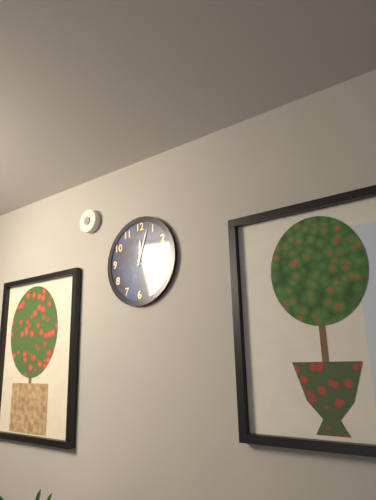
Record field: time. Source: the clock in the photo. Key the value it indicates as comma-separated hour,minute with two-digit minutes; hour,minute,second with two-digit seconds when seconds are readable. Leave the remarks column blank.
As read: 12,03
